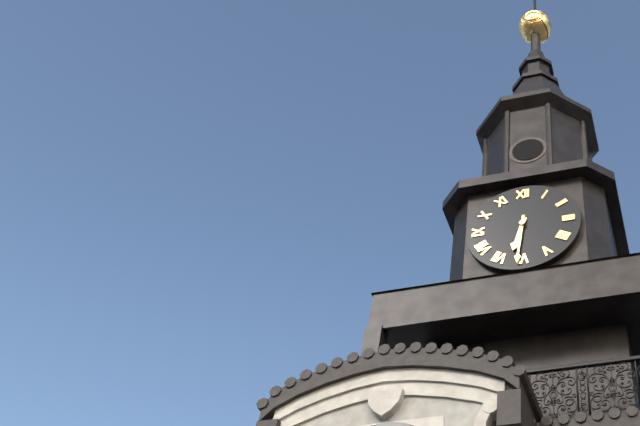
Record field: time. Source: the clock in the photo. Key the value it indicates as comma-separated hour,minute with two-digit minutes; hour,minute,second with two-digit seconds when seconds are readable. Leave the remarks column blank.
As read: 6,31
